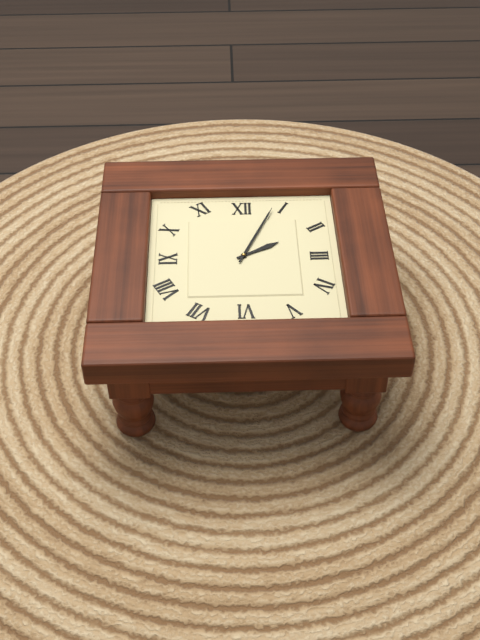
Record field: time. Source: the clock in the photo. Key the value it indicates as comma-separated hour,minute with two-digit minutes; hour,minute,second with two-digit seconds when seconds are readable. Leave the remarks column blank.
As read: 2,04
